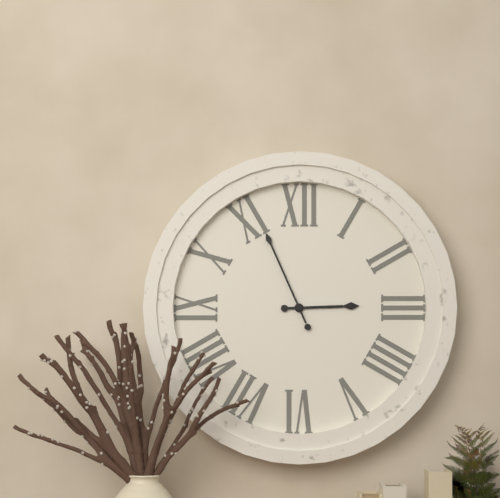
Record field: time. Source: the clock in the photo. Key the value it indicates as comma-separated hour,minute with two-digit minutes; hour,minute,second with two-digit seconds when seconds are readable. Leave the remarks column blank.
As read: 2,56
